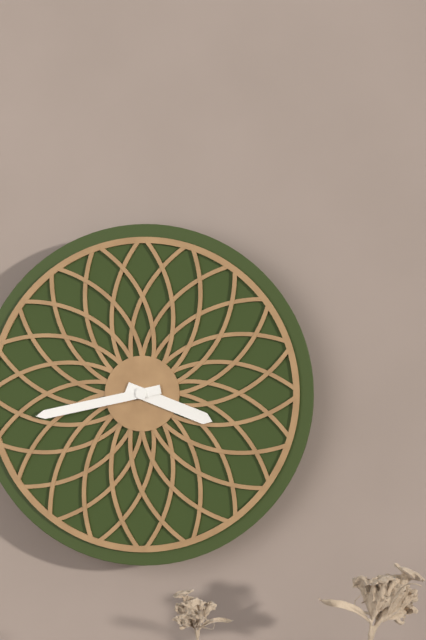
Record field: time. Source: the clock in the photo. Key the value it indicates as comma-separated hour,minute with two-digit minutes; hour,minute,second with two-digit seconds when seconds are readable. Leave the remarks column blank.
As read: 3,43
